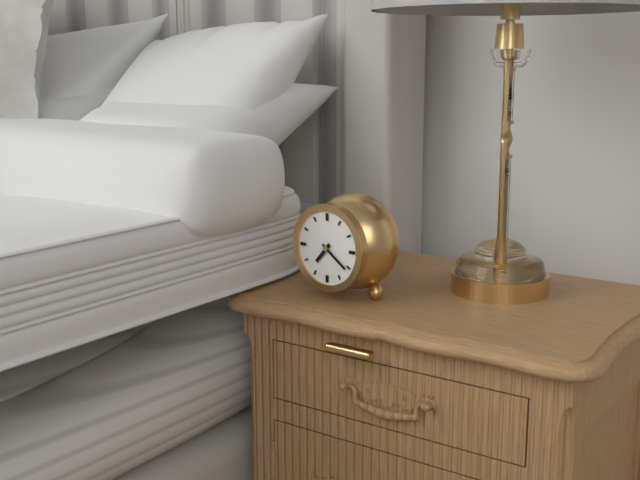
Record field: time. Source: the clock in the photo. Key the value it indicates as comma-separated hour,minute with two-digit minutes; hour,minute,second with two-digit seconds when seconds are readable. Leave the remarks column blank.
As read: 7,21
